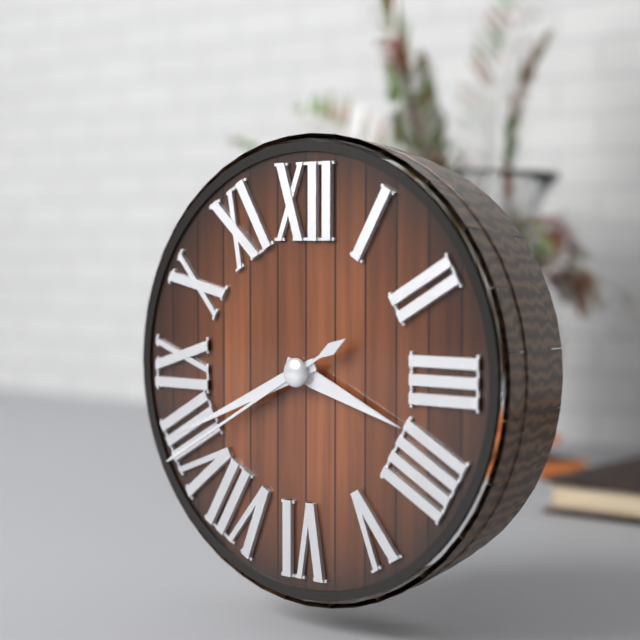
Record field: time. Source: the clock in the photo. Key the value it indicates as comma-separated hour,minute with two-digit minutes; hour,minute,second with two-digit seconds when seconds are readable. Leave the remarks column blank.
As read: 3,41,40
